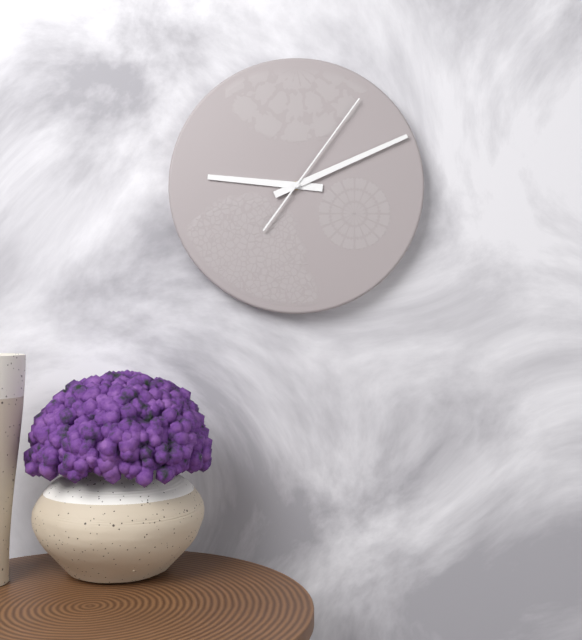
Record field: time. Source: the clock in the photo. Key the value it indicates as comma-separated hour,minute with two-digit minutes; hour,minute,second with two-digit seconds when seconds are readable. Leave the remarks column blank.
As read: 9,11,06
